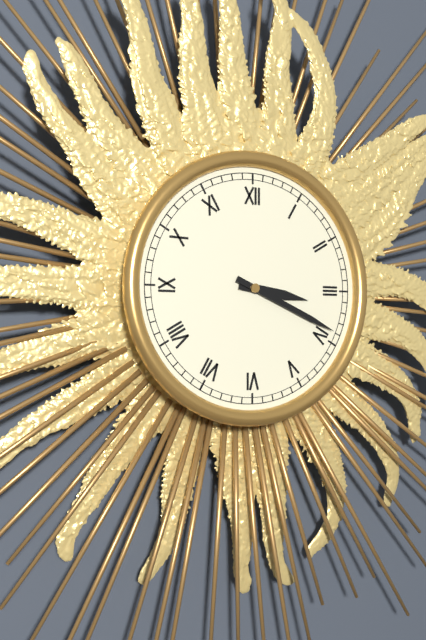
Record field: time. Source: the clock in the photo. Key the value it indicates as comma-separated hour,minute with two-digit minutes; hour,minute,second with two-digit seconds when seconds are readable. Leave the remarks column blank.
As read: 3,19
